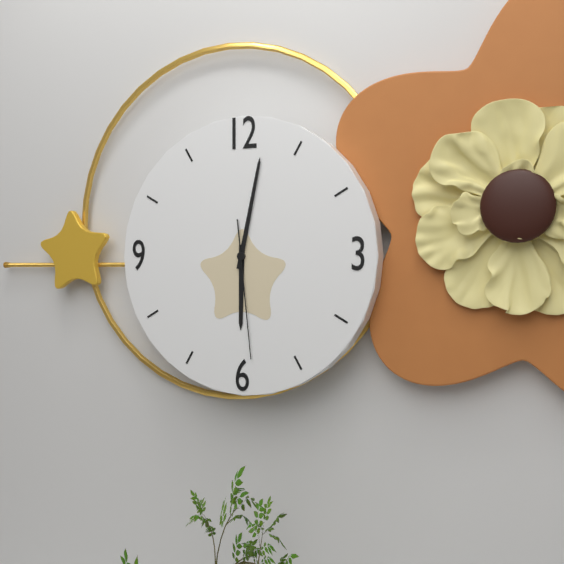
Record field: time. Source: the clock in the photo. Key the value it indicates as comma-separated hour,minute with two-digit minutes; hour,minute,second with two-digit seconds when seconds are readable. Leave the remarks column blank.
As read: 6,02,29
